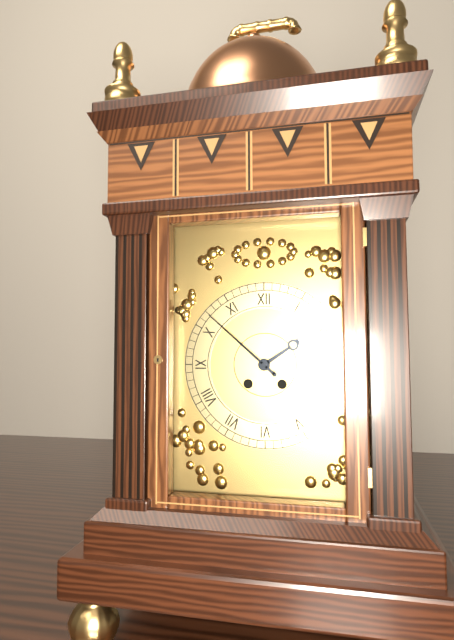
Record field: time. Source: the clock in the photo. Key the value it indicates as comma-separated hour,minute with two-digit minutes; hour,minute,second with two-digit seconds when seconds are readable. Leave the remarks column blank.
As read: 1,52
